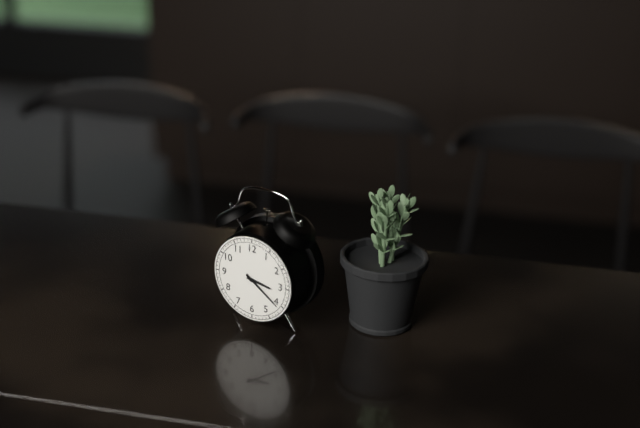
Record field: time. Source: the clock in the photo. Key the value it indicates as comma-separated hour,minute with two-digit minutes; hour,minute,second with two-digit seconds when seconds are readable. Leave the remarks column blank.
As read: 3,21
